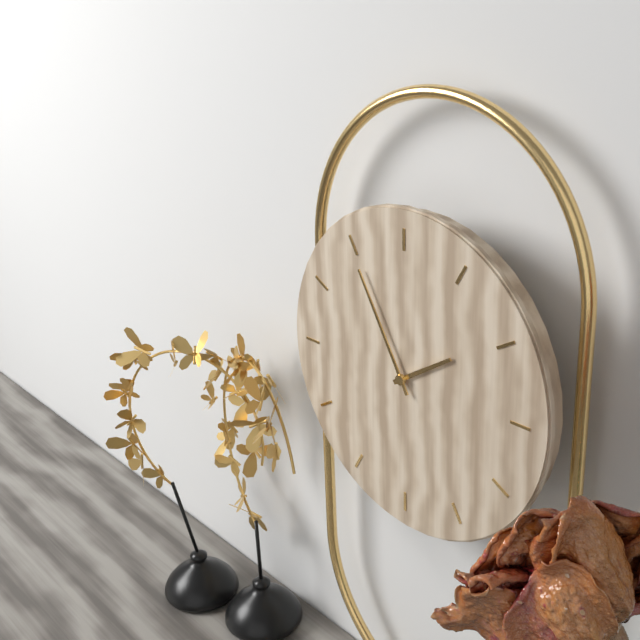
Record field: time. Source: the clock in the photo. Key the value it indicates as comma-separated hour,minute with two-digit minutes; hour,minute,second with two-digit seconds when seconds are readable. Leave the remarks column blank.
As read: 1,55
